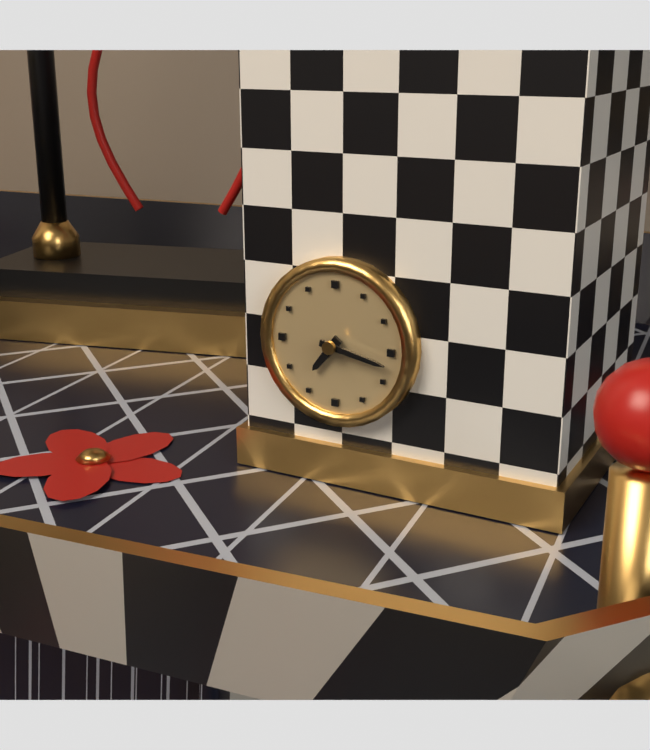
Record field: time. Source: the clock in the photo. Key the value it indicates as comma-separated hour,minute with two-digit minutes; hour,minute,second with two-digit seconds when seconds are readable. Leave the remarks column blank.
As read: 7,17
